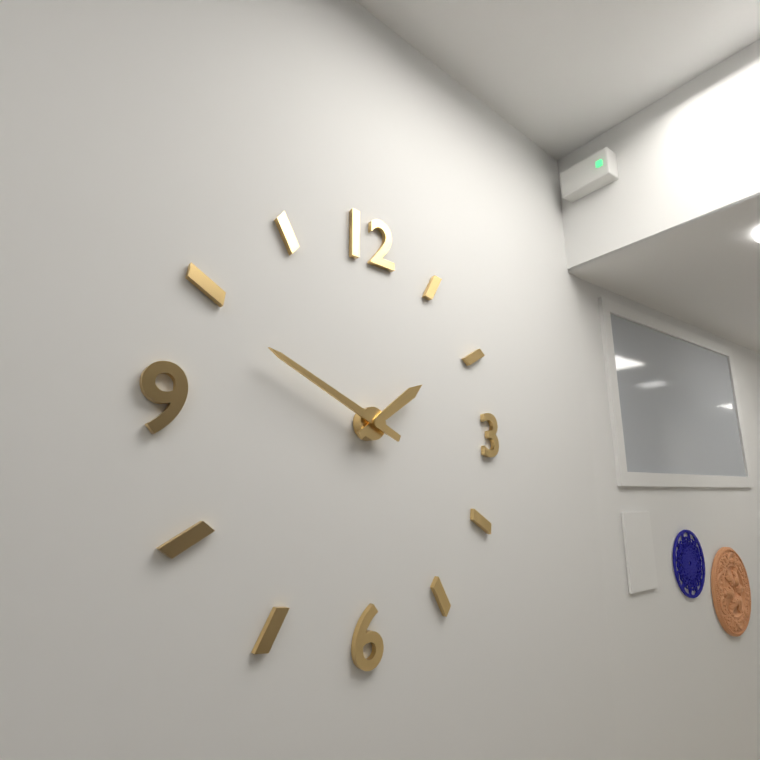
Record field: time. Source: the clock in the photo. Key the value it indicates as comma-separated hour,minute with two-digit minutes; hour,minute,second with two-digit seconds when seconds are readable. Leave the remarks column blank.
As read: 1,49
